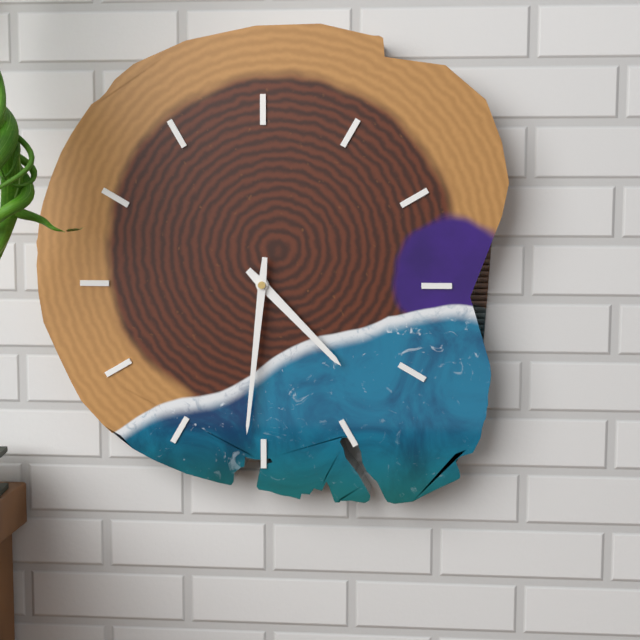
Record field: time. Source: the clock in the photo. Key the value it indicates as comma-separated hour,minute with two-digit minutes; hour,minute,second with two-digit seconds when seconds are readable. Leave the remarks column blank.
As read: 4,31
